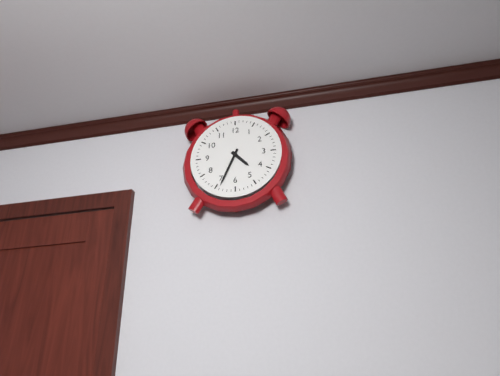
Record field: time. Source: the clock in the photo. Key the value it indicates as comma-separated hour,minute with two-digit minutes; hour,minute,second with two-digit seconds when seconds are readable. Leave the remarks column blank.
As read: 4,34
